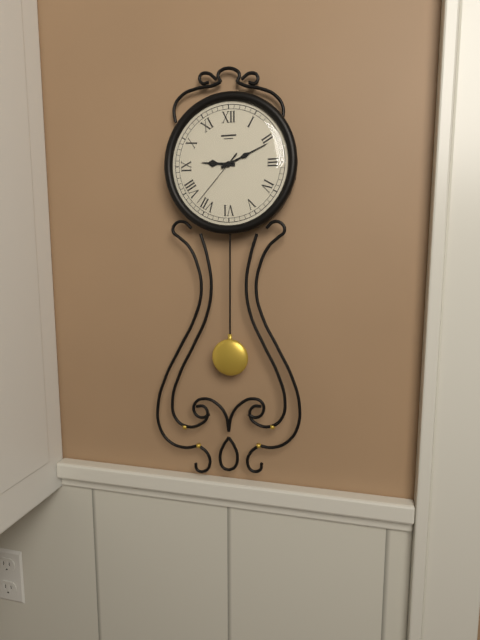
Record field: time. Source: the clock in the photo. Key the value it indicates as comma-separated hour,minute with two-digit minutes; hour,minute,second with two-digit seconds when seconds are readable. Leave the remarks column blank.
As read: 9,11,37
